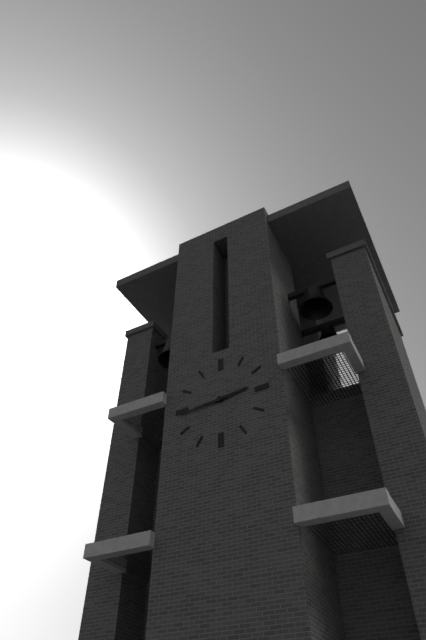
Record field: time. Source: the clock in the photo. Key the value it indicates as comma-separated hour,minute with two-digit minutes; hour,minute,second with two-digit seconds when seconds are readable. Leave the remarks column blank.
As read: 2,44
